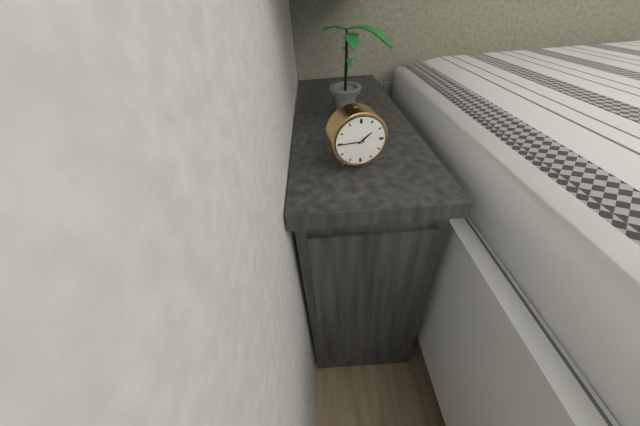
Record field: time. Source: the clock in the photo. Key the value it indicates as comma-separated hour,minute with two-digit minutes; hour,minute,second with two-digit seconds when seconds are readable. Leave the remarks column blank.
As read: 1,45
